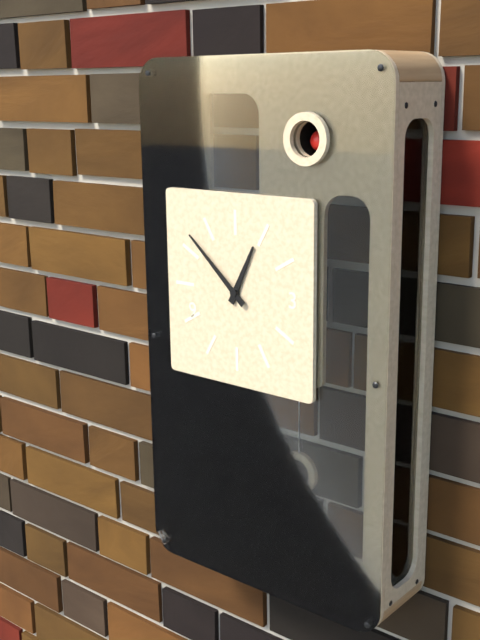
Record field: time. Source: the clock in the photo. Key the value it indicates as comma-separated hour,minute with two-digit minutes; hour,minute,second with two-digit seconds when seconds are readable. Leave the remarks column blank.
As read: 12,52
